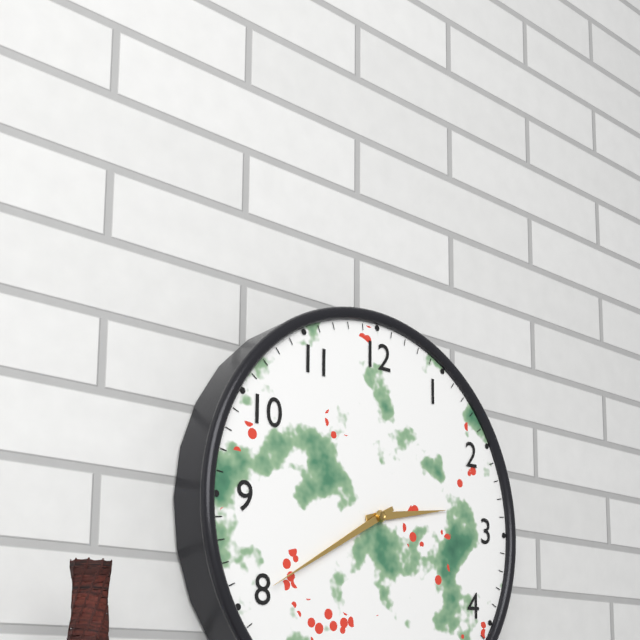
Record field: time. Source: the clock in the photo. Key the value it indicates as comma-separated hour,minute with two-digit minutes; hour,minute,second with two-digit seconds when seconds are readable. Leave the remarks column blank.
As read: 2,40
